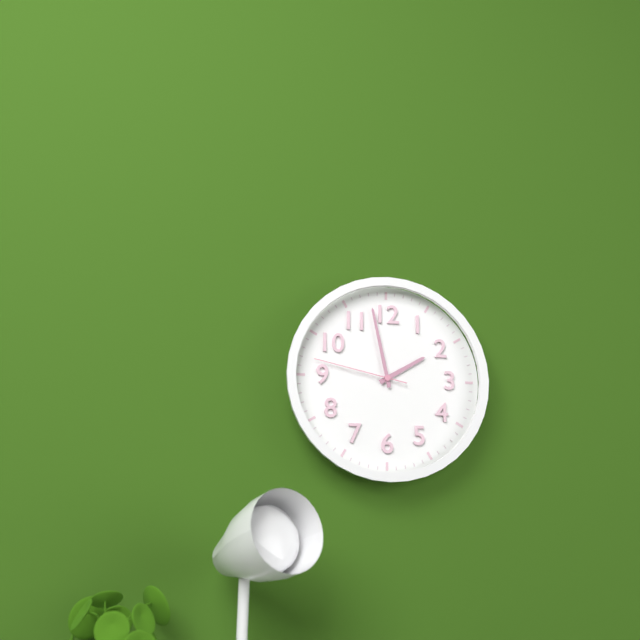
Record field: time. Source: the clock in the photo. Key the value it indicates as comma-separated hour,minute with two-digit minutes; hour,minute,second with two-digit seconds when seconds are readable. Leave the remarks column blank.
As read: 1,58,47
